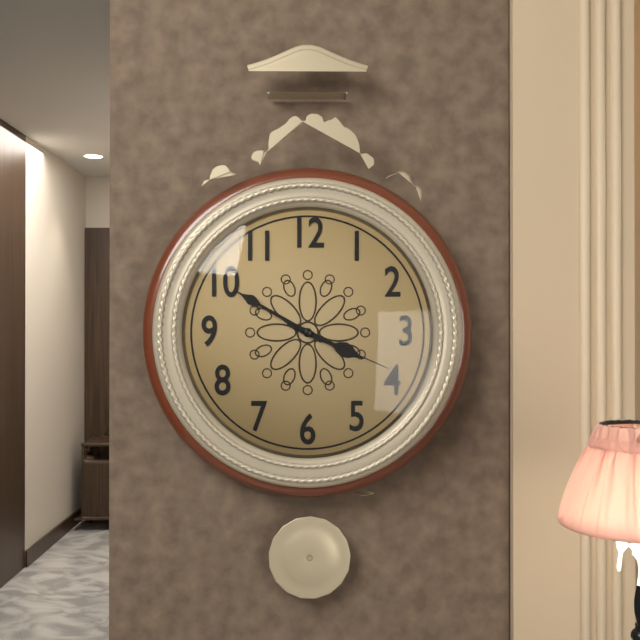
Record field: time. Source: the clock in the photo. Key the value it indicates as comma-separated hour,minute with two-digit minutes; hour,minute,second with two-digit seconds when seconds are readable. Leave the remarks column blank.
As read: 3,50,19
